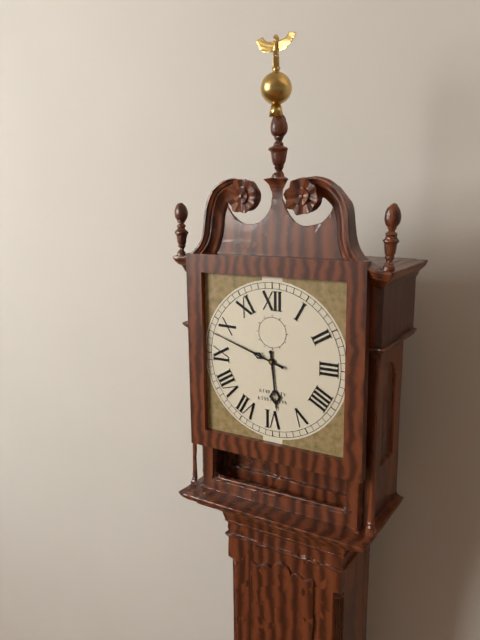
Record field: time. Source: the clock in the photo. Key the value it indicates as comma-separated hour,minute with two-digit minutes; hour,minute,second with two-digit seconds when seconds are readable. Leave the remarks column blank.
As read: 5,48
